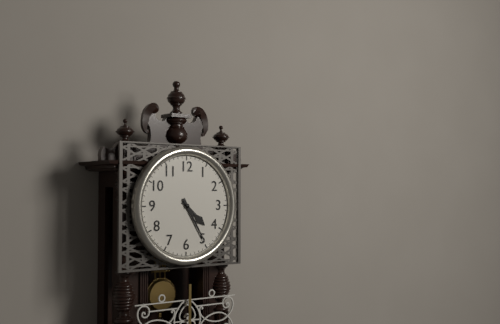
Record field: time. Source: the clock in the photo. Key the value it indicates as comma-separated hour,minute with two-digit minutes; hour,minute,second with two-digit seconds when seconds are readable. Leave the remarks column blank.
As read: 4,25
